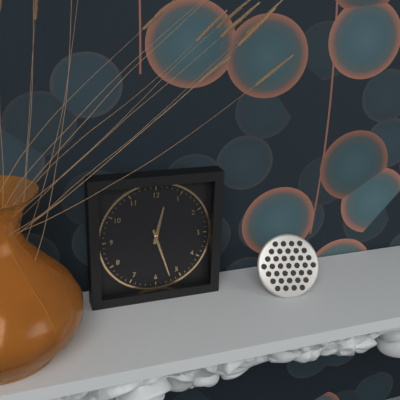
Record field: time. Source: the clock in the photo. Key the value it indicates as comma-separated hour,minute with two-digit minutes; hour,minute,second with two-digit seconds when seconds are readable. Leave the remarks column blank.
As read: 12,27
